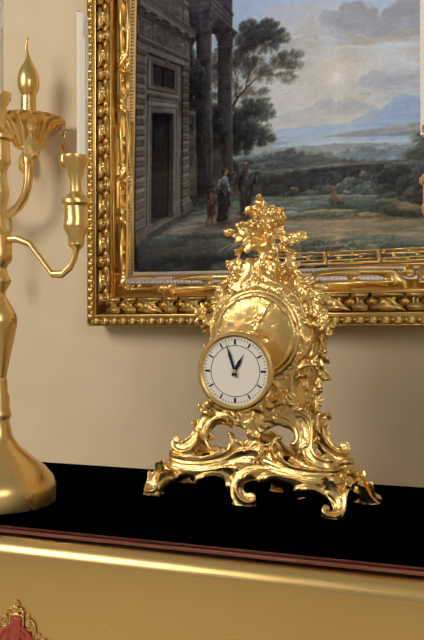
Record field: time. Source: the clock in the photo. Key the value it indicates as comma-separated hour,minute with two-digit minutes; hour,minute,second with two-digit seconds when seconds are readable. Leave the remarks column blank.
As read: 12,57
